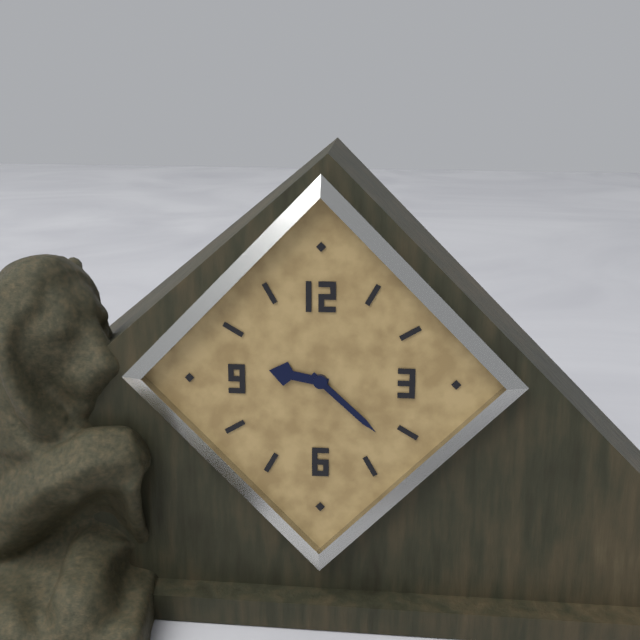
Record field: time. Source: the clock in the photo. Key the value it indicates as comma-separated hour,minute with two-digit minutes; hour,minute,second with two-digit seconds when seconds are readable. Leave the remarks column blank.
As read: 9,22
